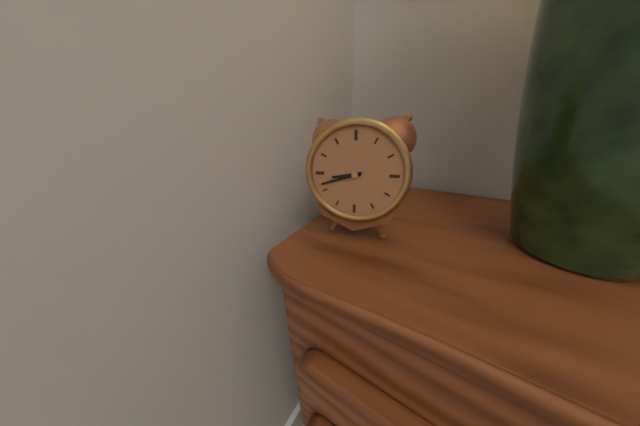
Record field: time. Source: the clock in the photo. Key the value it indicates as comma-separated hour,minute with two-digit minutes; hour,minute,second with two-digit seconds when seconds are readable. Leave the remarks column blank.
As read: 8,42
